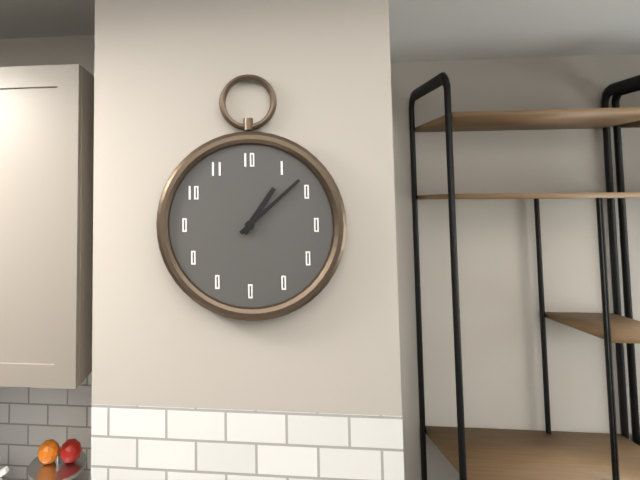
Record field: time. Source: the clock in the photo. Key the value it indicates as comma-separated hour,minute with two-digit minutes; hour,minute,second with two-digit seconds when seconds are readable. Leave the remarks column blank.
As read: 1,08
